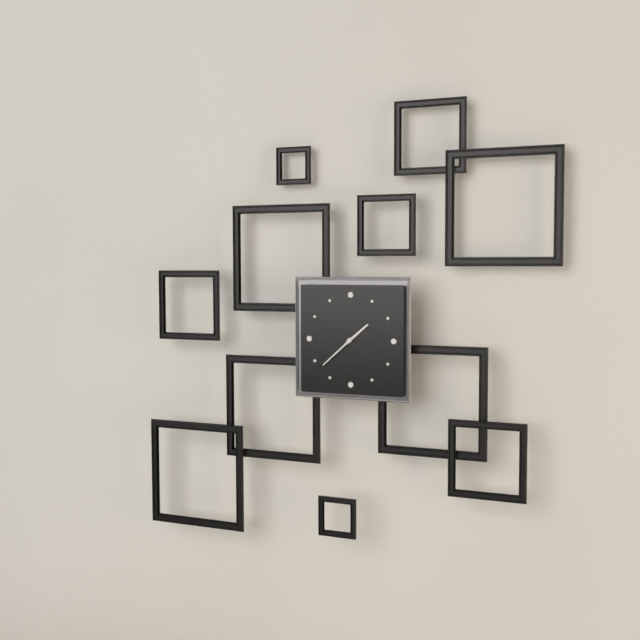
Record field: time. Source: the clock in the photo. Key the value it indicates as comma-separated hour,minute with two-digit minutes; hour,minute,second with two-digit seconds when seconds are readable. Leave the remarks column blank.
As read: 1,38
